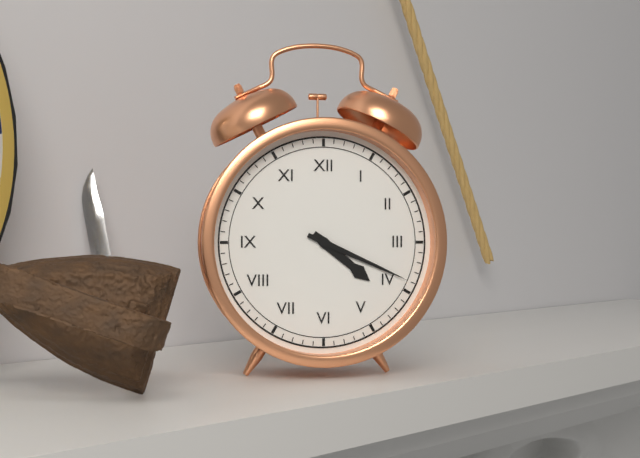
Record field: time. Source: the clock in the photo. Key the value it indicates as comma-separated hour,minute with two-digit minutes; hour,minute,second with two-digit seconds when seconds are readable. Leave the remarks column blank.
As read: 4,19
